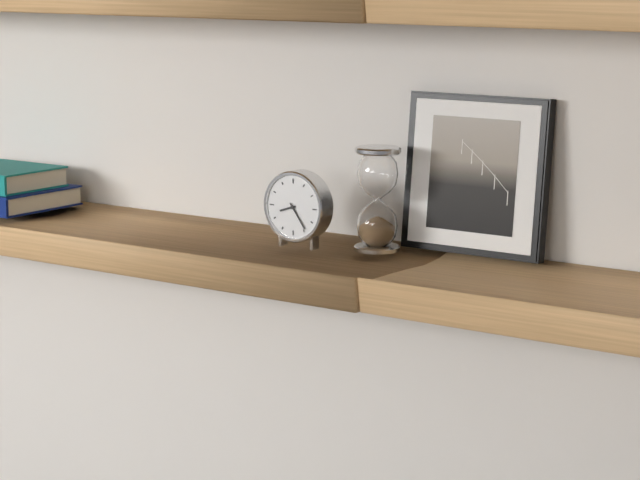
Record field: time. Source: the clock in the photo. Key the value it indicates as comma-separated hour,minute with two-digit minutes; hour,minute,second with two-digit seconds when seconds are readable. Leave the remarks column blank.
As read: 8,24
